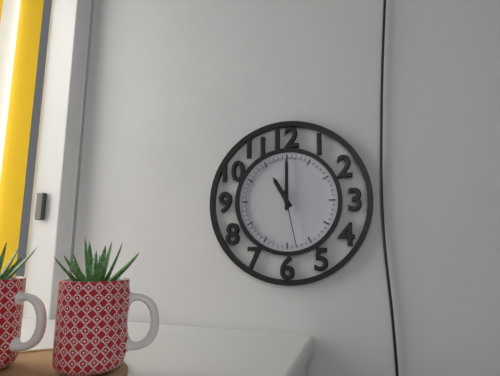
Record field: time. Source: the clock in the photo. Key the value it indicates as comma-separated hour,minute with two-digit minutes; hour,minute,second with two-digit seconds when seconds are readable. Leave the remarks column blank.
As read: 11,00,28
